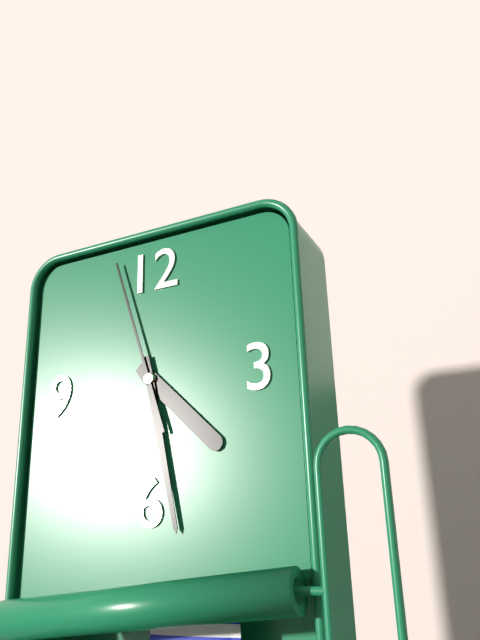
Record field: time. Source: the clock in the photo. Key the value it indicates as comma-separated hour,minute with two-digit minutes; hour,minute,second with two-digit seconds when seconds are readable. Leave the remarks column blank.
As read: 4,28,57
